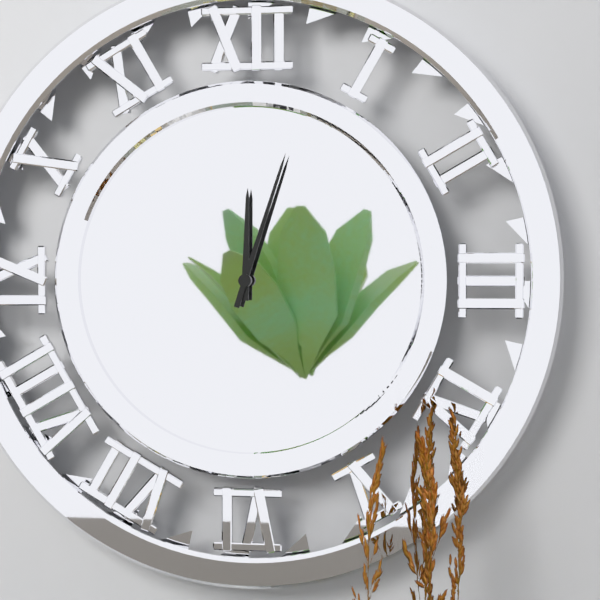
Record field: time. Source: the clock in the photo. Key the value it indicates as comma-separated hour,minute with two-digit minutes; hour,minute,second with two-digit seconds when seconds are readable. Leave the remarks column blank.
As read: 12,03
